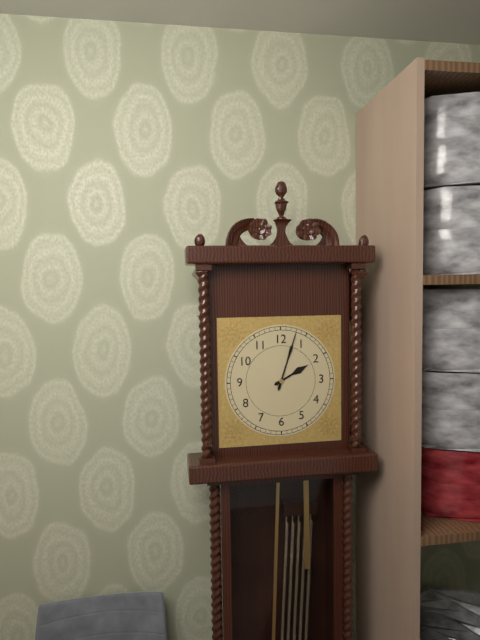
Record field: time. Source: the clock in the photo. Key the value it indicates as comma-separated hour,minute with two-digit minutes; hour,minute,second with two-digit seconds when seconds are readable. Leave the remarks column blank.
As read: 2,03
